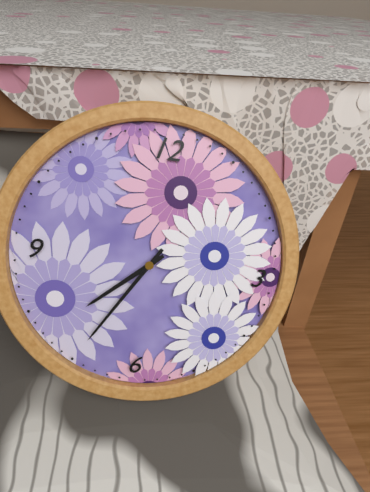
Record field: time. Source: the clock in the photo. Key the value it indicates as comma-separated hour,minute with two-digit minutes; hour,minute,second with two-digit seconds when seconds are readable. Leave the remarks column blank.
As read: 7,35
